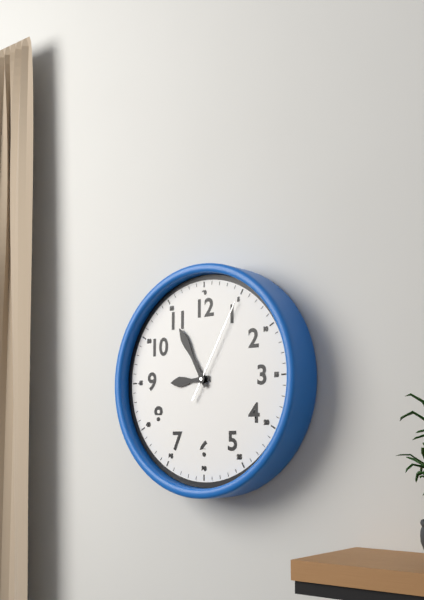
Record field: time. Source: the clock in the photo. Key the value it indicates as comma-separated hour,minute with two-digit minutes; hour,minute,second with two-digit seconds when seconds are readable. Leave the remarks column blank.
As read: 8,55,05
